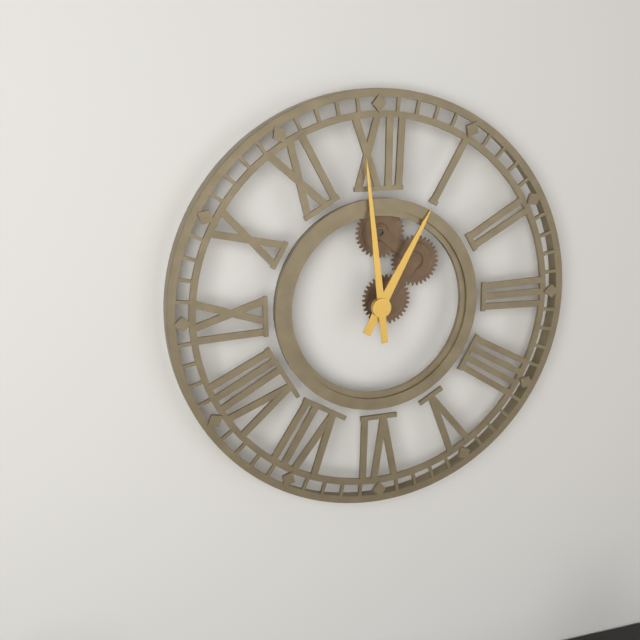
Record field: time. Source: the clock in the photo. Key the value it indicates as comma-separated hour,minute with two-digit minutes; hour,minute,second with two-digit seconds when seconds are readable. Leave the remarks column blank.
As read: 12,59
